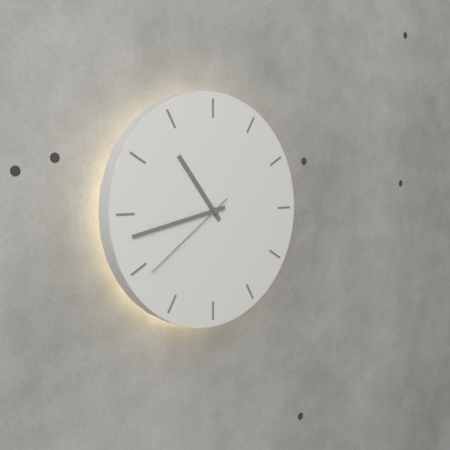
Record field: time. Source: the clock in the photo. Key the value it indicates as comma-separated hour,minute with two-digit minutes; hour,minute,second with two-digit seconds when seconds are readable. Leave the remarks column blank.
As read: 10,43,39
